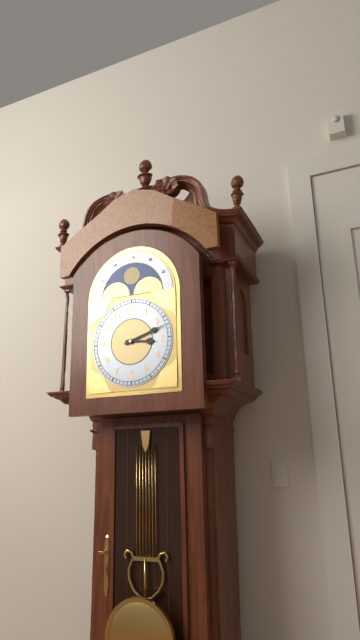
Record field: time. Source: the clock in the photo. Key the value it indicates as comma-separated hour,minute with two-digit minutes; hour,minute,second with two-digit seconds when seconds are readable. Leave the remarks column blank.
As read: 3,12
